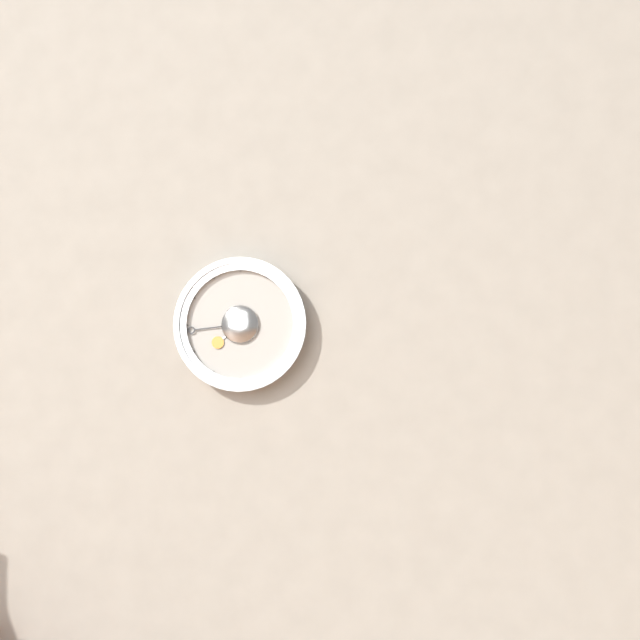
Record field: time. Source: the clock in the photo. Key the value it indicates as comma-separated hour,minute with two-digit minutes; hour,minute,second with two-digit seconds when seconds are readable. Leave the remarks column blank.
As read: 7,44
